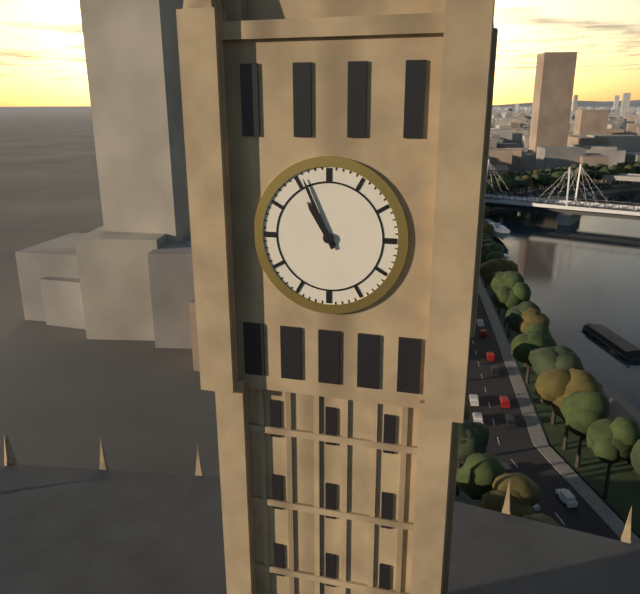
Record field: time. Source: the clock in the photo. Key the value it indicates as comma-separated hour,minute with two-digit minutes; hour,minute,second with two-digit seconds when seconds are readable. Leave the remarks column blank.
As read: 10,56
